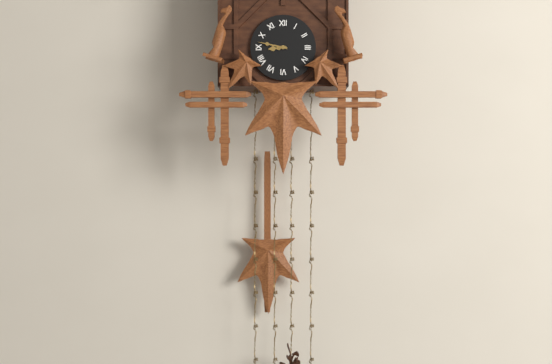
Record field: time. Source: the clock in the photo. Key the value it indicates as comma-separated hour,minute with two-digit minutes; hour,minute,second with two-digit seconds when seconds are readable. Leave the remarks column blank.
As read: 8,47
